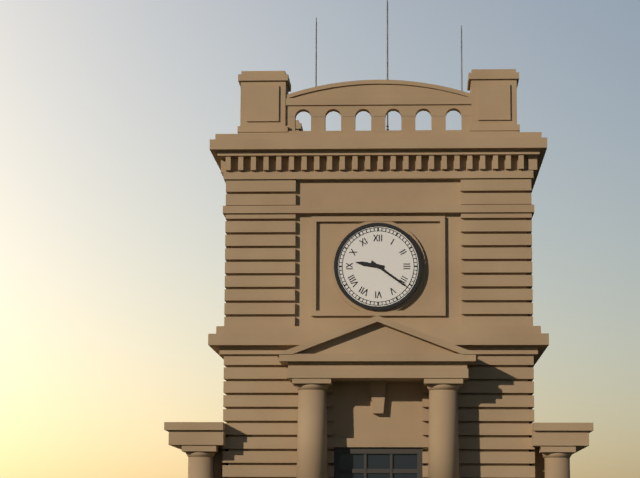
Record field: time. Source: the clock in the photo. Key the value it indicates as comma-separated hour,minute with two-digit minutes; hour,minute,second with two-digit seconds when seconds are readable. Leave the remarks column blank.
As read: 9,21
